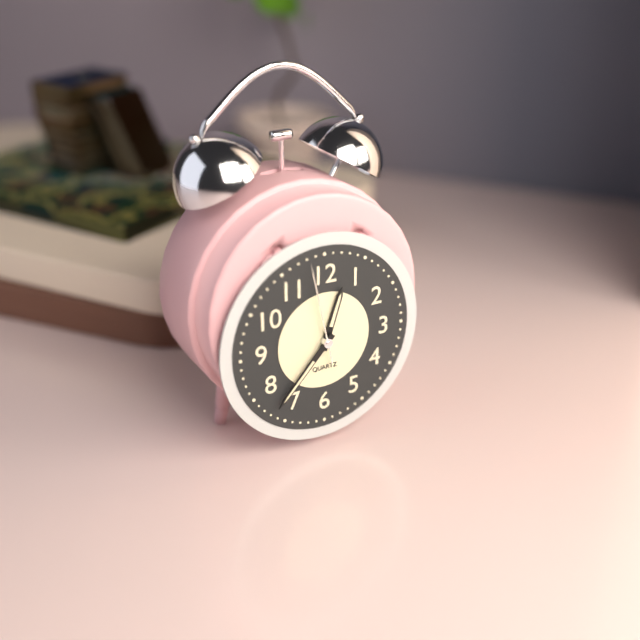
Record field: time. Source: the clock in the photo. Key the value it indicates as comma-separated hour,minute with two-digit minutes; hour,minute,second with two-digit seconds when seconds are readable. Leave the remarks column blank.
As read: 12,37,58
